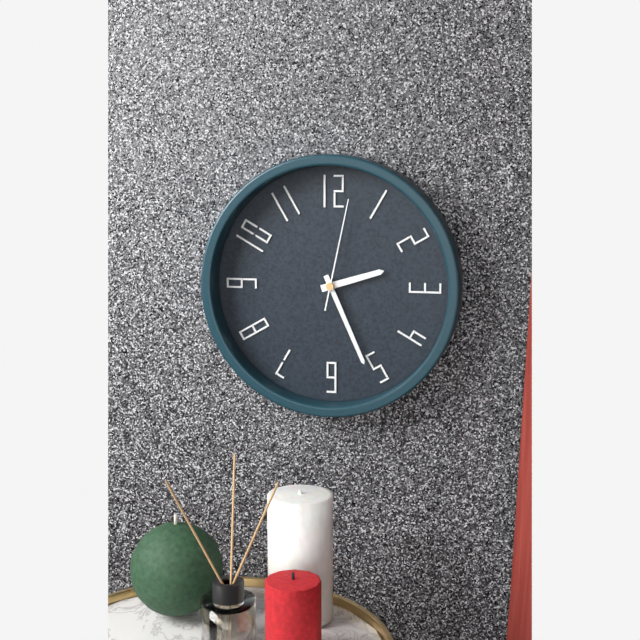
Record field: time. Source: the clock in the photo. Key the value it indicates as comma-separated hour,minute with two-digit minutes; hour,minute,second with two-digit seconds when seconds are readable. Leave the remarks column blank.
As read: 2,26,02
